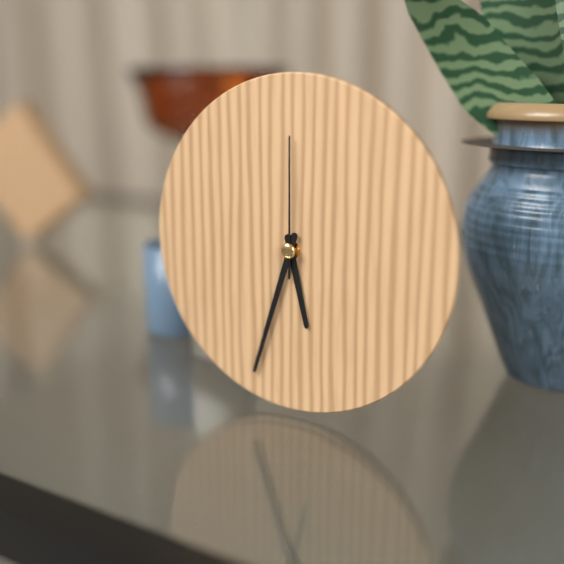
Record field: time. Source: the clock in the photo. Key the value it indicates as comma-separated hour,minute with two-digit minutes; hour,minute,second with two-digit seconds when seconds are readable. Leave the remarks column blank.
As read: 5,33,00
